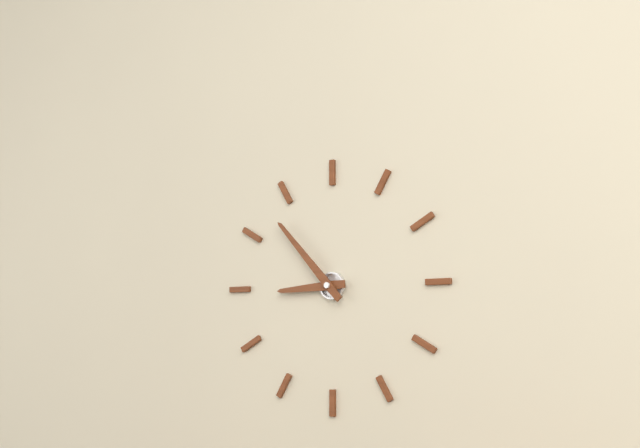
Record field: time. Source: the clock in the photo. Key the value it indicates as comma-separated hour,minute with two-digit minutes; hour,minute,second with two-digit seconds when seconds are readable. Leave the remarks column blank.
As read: 8,53
